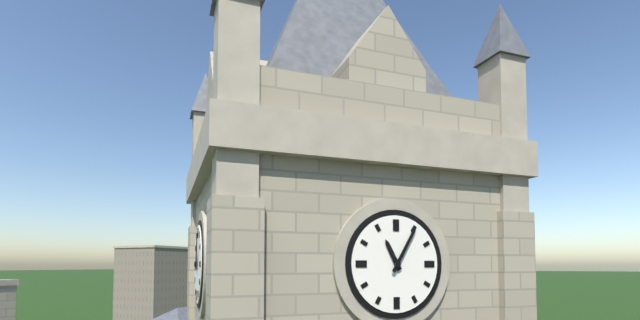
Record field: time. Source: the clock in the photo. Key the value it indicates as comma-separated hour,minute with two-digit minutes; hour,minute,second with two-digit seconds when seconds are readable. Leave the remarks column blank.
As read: 11,05
